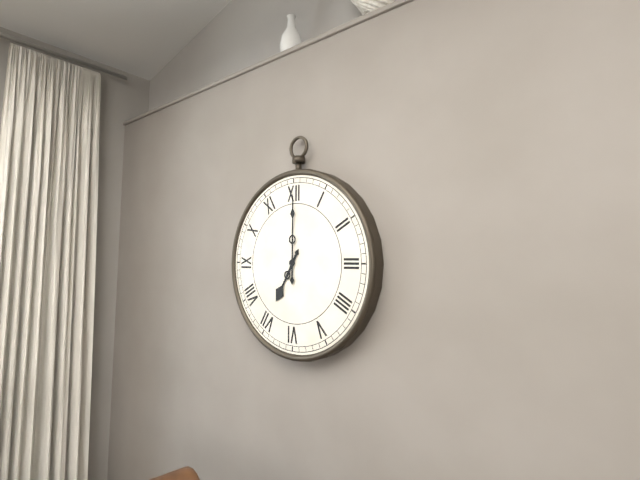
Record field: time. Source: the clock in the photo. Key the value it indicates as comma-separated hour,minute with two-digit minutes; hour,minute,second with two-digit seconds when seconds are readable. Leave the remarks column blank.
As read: 7,00
